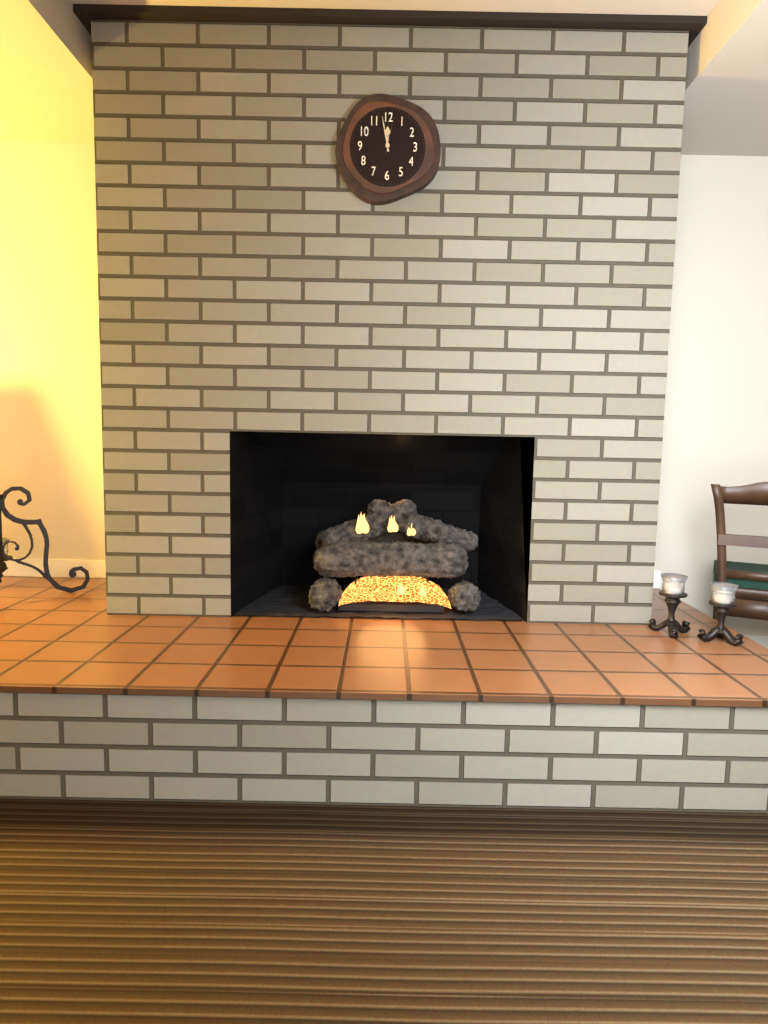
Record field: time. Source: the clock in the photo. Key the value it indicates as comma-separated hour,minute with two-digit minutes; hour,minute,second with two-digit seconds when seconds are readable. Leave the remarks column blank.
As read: 11,58
